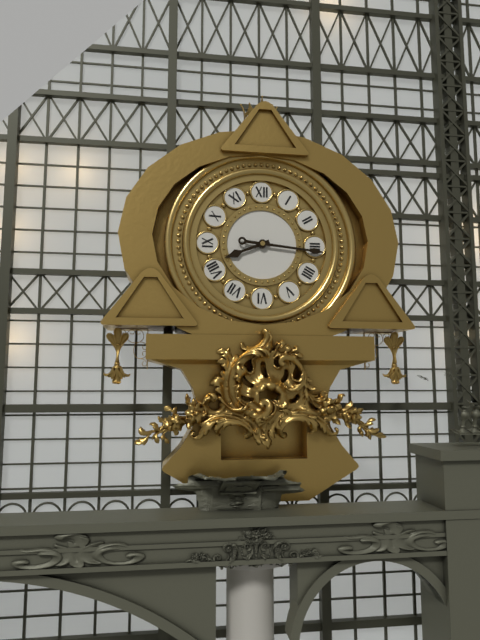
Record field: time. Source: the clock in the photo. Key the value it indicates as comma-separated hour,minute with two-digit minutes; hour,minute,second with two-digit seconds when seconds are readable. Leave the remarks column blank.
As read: 8,16
